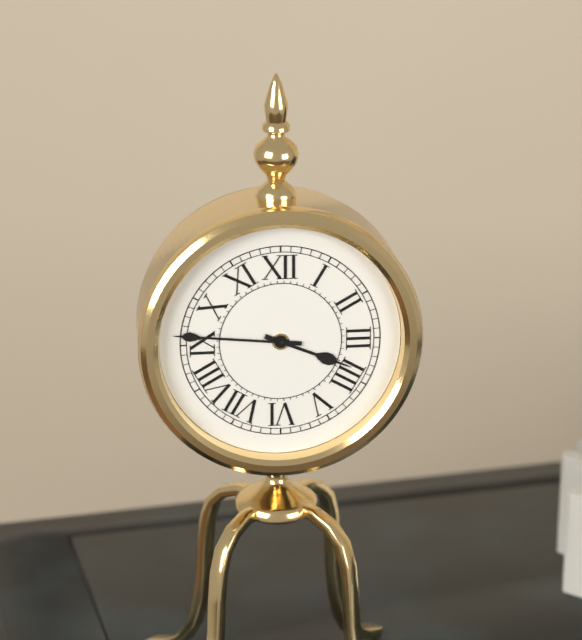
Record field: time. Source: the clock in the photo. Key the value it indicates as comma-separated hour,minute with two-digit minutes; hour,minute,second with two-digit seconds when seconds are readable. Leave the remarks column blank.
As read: 3,46
